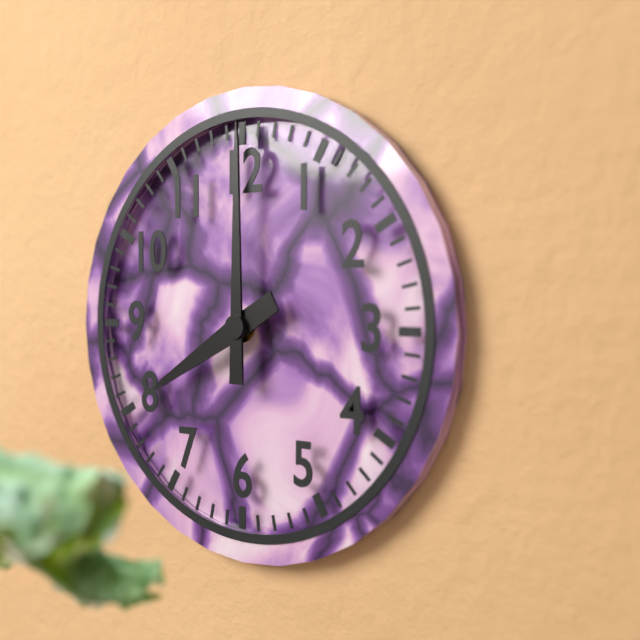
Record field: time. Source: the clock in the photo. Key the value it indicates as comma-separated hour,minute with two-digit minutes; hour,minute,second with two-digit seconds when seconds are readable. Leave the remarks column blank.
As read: 8,00
